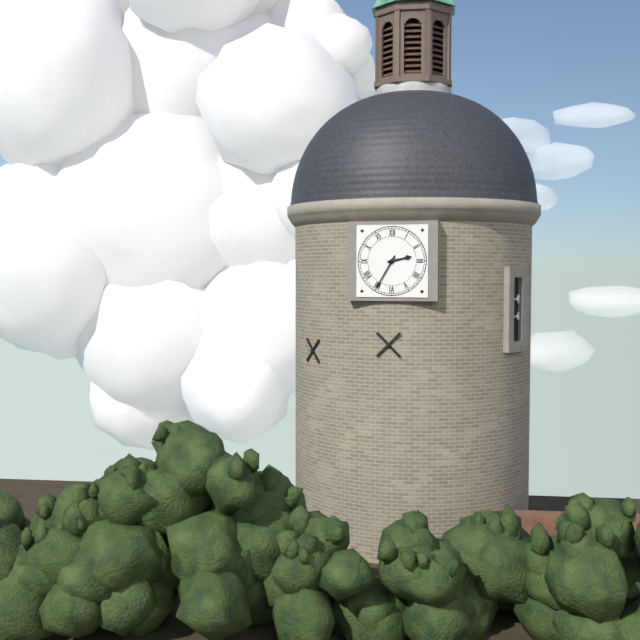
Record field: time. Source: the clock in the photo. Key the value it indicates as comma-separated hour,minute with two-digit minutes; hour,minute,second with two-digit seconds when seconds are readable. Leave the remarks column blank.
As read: 2,35
